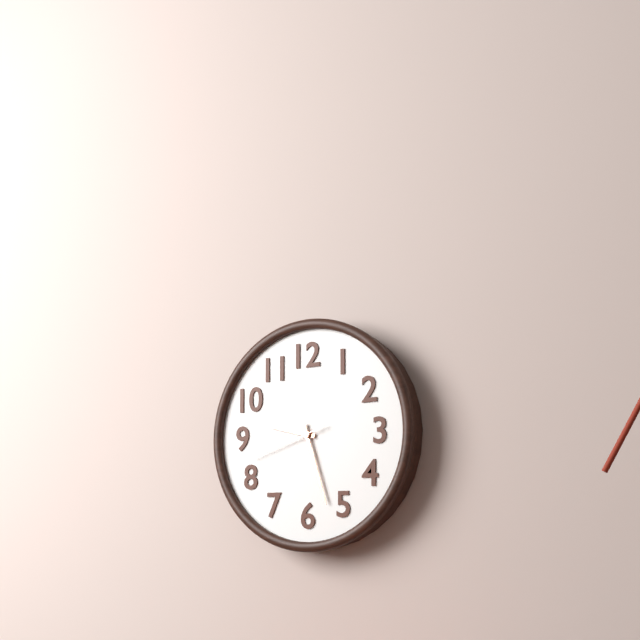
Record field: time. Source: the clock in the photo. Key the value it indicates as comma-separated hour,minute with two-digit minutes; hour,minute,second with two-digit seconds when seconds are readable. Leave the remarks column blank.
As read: 9,27,42
